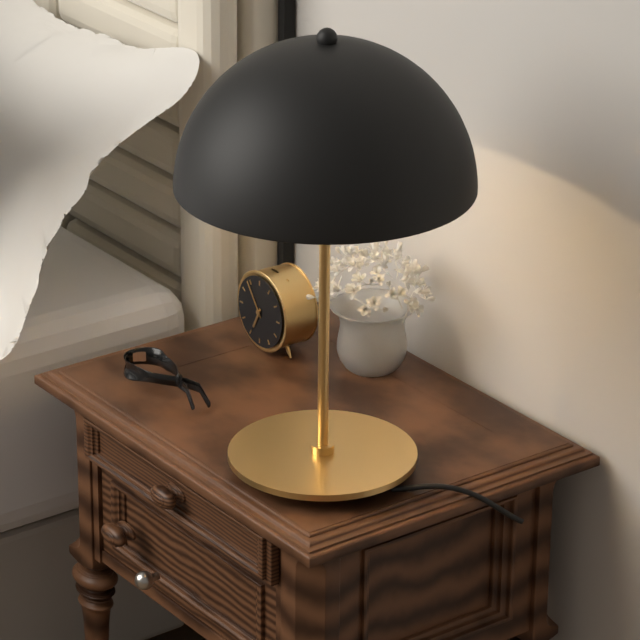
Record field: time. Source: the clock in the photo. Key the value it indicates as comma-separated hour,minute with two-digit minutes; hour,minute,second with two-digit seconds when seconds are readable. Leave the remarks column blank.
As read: 6,54
